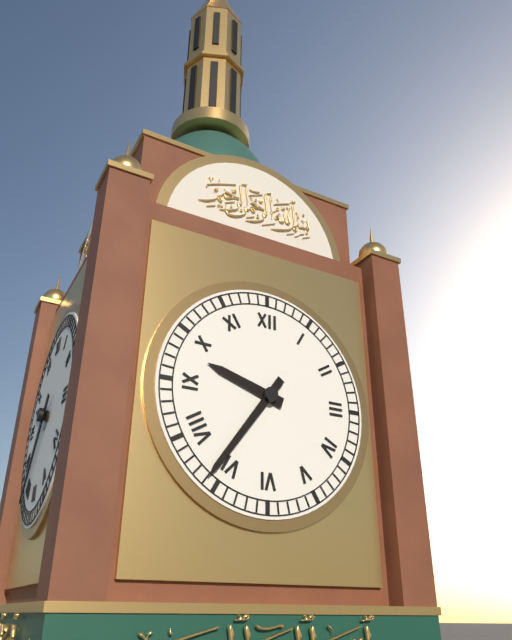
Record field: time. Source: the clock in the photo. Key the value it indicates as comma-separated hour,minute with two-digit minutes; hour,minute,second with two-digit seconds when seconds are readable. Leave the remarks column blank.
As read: 9,36
